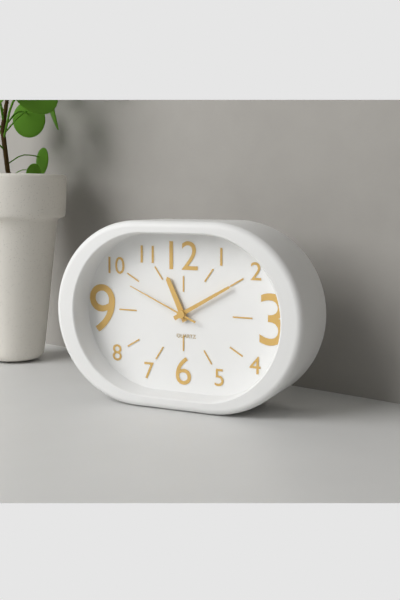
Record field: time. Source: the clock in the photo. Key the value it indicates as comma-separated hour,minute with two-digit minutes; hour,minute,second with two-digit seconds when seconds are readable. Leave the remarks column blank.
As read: 11,10,49
